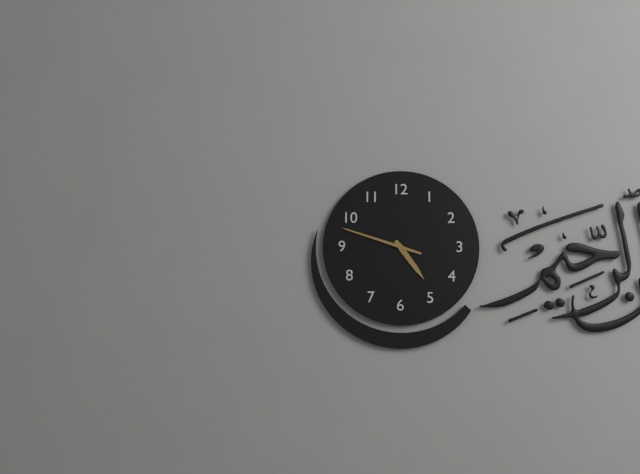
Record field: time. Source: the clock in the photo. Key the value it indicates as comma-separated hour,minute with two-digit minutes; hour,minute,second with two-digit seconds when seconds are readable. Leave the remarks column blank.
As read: 4,48
